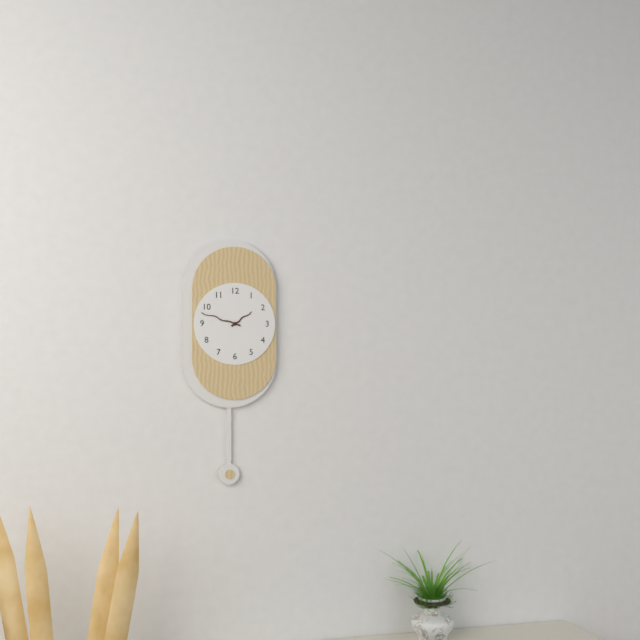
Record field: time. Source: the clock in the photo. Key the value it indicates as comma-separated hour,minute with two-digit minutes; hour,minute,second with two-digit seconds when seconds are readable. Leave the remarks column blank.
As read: 1,48
